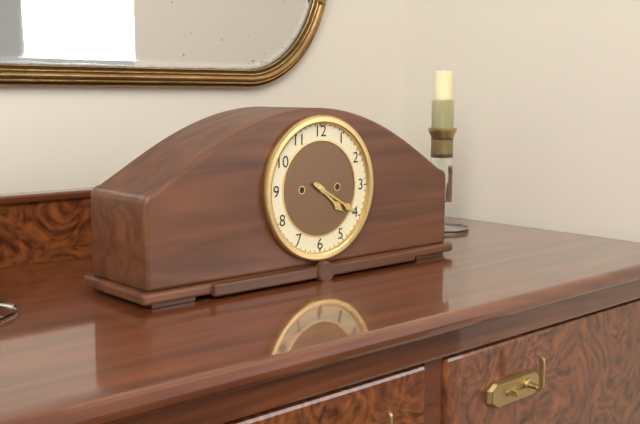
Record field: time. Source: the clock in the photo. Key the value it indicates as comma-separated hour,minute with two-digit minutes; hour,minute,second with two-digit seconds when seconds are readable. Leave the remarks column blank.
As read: 4,20
